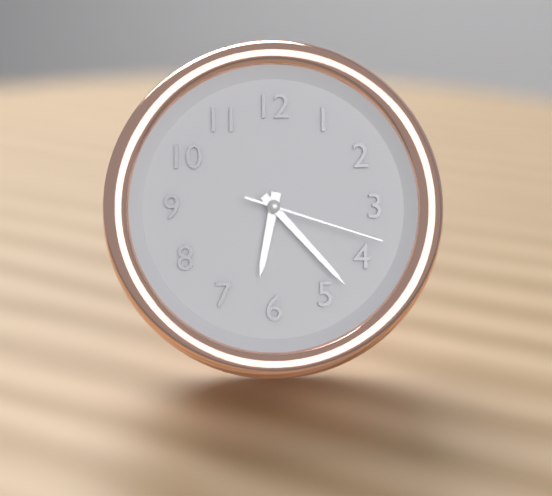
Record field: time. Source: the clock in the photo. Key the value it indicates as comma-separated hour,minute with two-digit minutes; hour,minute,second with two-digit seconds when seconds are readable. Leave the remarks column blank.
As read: 6,23,18
